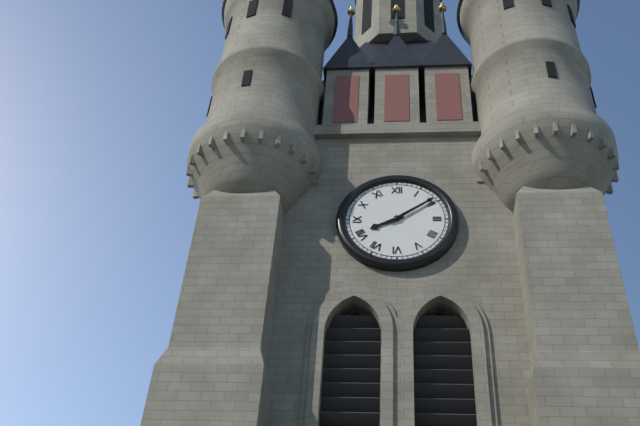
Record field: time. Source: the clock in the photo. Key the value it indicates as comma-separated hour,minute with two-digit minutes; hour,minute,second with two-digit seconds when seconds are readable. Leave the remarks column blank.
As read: 8,09
